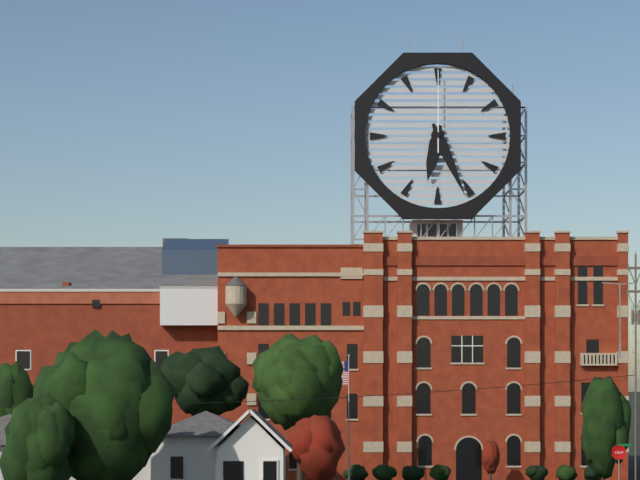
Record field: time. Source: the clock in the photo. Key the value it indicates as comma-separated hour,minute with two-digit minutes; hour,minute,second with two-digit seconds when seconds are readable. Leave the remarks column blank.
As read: 6,26,00
